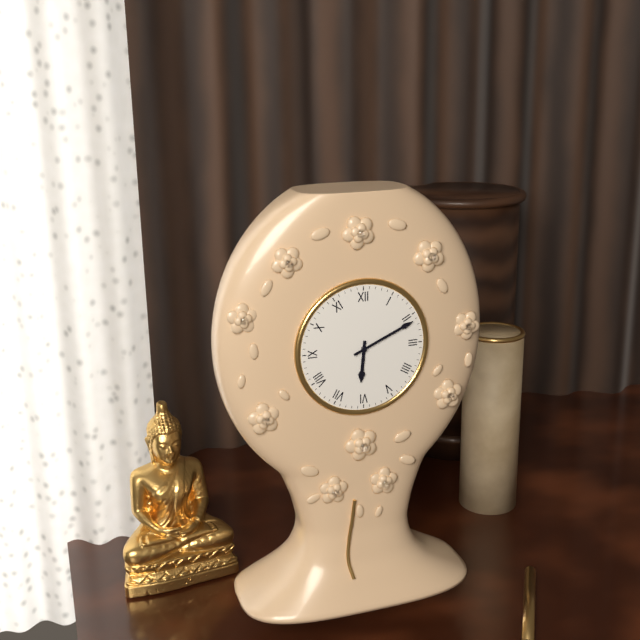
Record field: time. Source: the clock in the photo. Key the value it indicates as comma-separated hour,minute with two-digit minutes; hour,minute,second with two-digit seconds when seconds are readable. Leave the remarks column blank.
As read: 6,11
